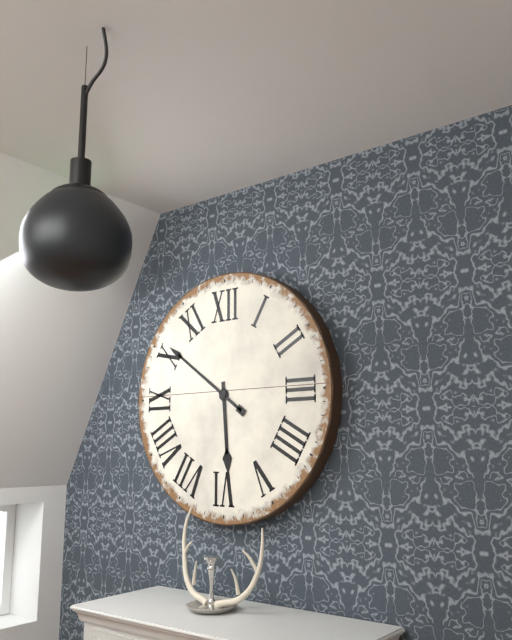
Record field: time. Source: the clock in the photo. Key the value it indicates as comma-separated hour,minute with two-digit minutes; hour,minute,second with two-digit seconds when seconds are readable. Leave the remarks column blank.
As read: 5,51
